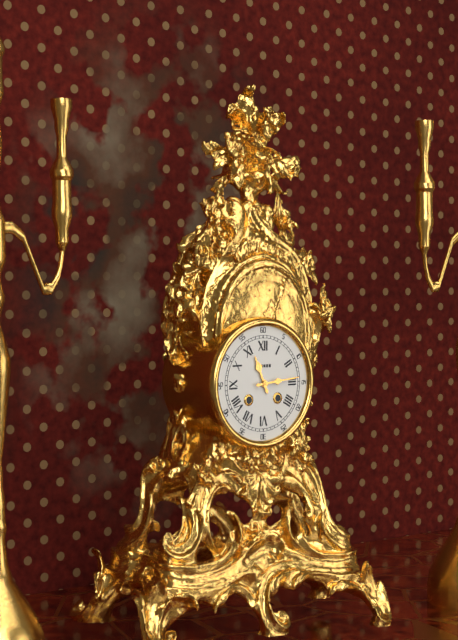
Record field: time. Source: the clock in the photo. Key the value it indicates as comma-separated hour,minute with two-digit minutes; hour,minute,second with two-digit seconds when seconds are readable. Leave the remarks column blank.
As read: 11,14
